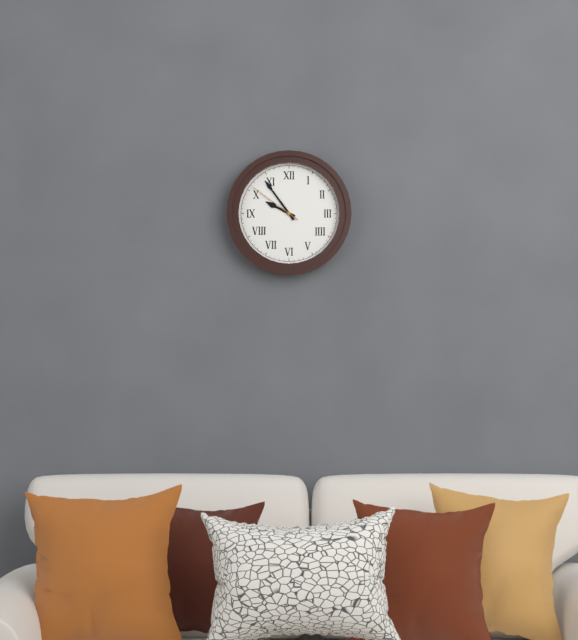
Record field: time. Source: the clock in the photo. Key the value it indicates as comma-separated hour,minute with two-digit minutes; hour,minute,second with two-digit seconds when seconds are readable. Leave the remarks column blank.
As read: 9,54,51
